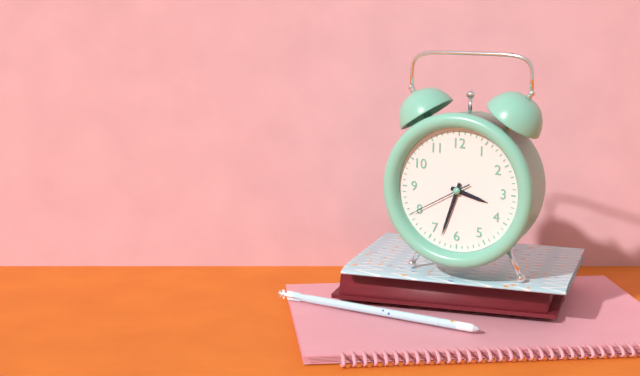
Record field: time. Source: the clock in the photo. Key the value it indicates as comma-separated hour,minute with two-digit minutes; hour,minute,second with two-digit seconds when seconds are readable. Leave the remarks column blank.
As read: 3,33,40
